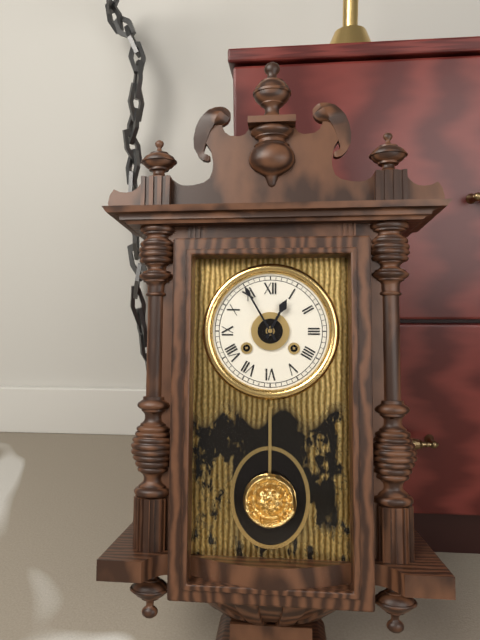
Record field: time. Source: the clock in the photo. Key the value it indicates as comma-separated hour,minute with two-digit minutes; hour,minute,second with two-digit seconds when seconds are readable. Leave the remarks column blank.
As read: 12,55
